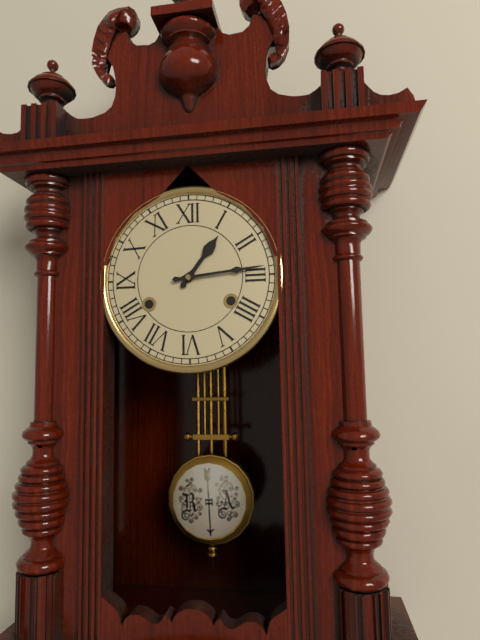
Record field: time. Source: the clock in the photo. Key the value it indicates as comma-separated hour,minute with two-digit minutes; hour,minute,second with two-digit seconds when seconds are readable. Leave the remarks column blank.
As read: 1,14
